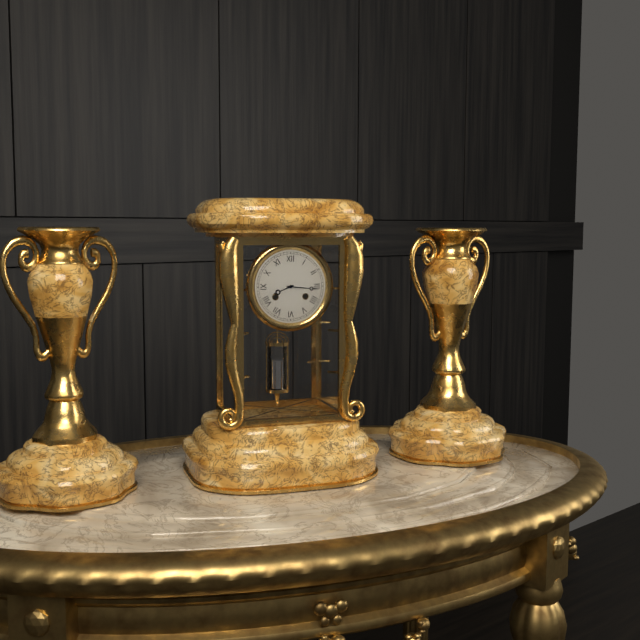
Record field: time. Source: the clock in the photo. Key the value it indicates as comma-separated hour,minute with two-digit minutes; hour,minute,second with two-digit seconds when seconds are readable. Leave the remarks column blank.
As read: 8,16
